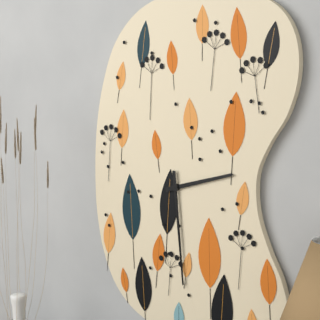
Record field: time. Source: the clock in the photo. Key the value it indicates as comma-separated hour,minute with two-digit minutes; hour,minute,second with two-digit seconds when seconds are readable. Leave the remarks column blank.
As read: 2,29
